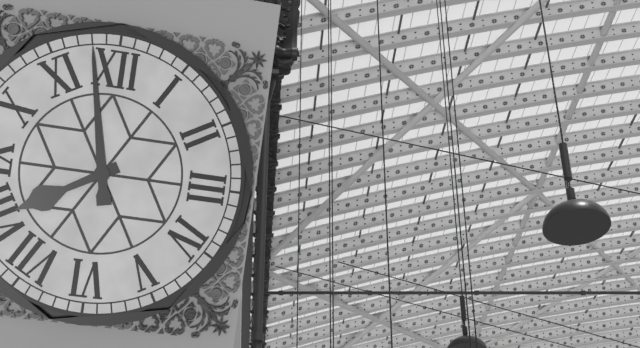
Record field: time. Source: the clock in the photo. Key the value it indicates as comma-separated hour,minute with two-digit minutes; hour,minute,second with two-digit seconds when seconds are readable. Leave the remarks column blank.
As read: 7,58
